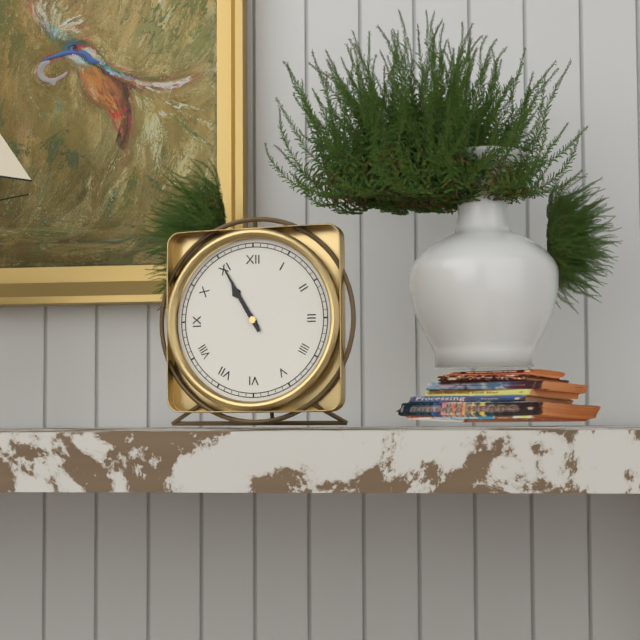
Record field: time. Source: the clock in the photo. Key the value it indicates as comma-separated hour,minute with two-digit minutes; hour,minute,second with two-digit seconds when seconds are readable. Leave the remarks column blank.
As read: 10,55
